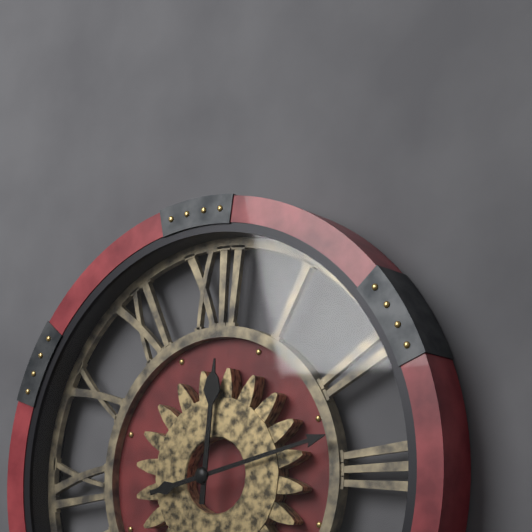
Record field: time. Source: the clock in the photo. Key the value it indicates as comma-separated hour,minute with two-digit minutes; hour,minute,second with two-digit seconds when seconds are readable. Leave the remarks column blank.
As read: 12,13
